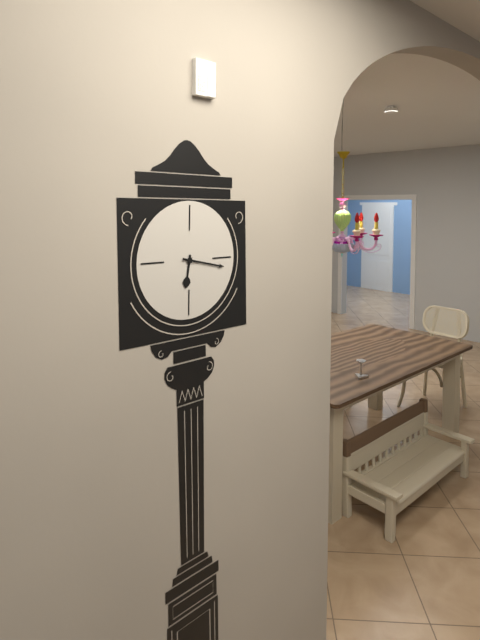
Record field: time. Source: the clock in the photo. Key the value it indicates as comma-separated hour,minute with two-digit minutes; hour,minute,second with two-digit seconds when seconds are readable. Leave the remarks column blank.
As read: 6,17
